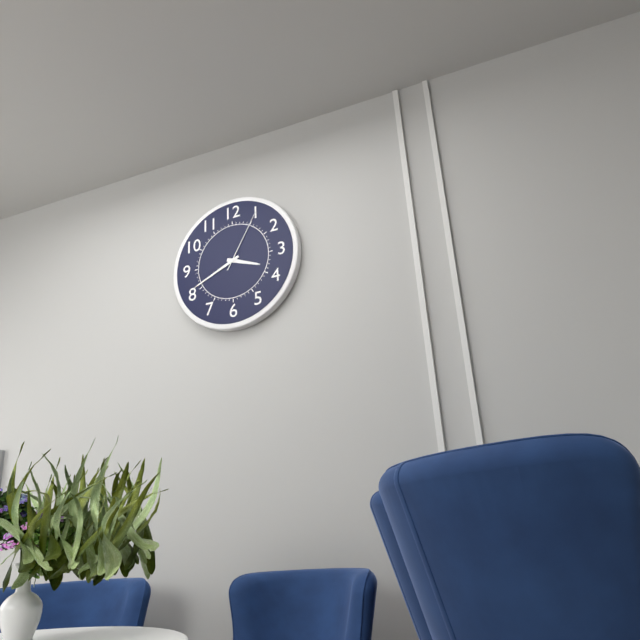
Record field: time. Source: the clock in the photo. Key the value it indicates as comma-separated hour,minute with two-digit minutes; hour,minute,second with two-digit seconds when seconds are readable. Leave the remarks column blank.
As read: 3,41,05
